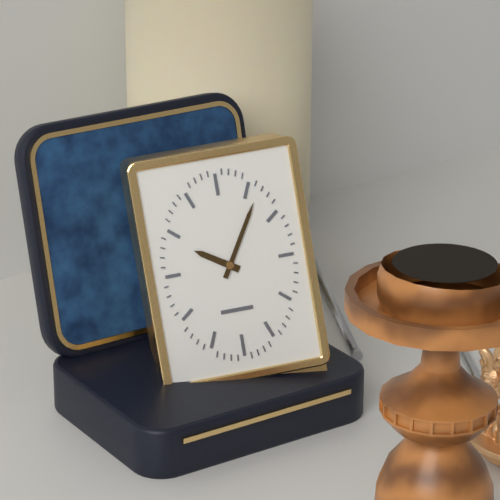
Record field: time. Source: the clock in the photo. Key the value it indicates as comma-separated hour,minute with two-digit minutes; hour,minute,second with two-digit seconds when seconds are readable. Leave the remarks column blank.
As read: 10,05
